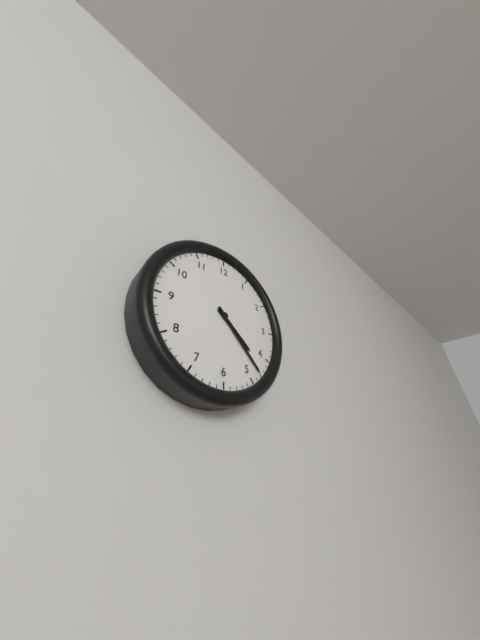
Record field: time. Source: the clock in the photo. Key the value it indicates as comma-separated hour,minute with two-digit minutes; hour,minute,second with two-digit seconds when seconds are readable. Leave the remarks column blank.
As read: 4,23
